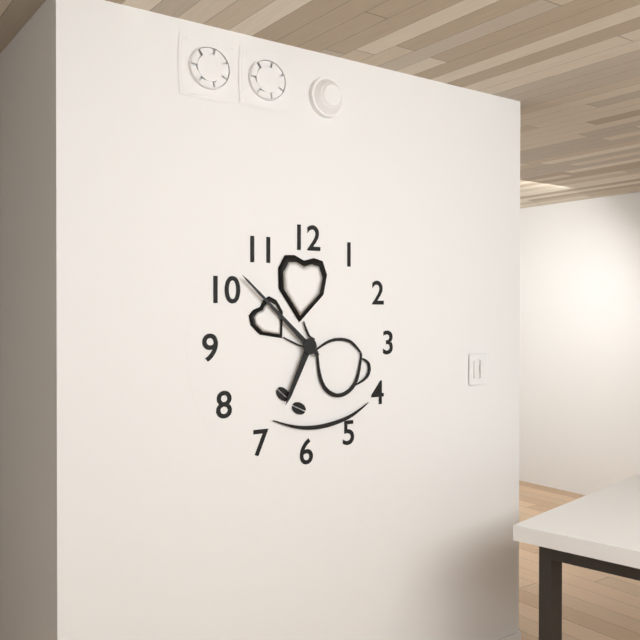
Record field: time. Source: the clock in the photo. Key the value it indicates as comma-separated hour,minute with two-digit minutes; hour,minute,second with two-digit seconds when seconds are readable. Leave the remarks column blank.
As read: 6,52
